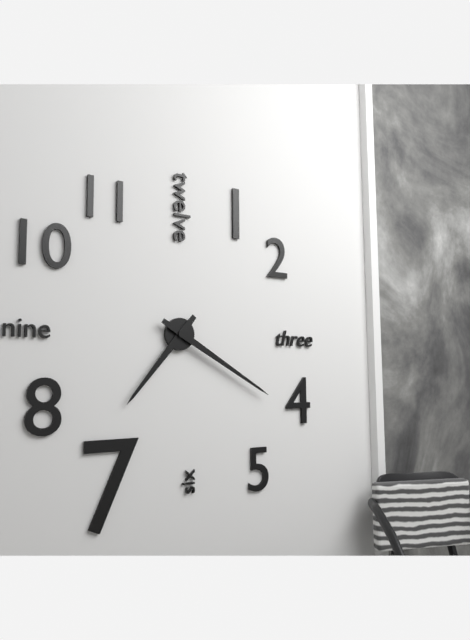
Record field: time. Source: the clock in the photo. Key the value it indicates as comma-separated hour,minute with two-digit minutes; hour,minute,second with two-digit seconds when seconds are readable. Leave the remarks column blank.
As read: 7,20
